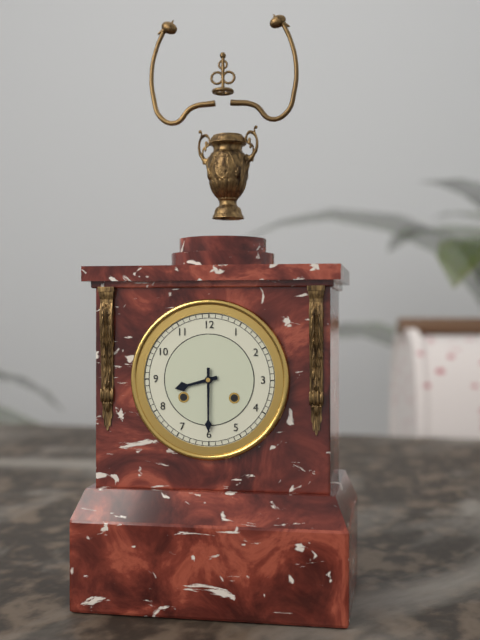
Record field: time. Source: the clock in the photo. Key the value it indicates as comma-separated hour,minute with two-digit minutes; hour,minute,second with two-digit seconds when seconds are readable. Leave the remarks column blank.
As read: 8,30
